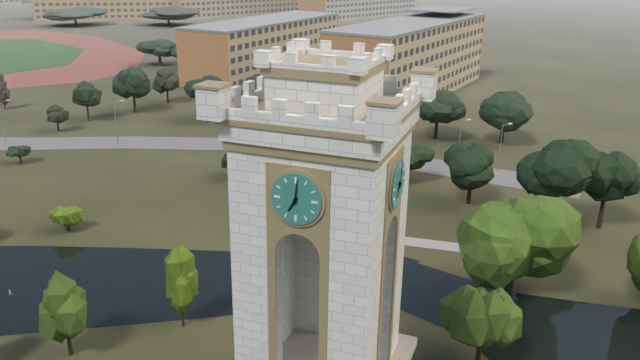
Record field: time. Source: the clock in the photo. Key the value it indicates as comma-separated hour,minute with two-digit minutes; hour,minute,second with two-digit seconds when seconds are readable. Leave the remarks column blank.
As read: 7,01
